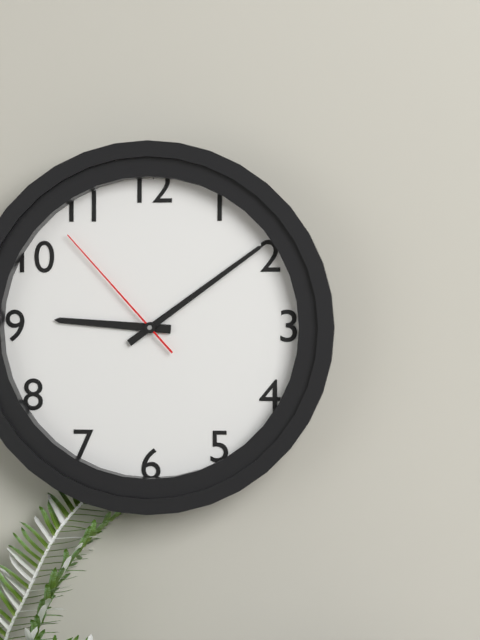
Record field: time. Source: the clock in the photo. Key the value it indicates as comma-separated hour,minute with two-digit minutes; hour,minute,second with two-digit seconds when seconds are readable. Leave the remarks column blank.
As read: 9,09,53
